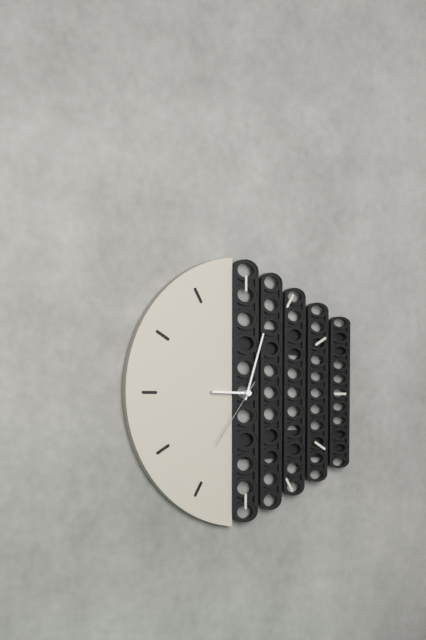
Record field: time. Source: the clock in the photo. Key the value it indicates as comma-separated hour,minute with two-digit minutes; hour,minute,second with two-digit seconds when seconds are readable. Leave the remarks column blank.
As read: 9,03,36
